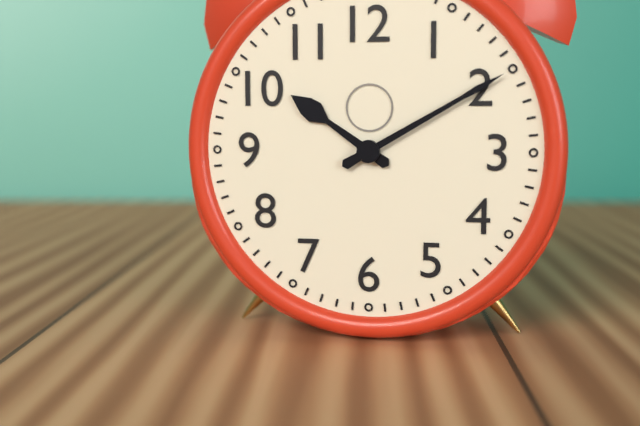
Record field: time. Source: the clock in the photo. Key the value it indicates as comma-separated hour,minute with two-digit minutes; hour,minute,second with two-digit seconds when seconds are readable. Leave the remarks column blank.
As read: 10,10
